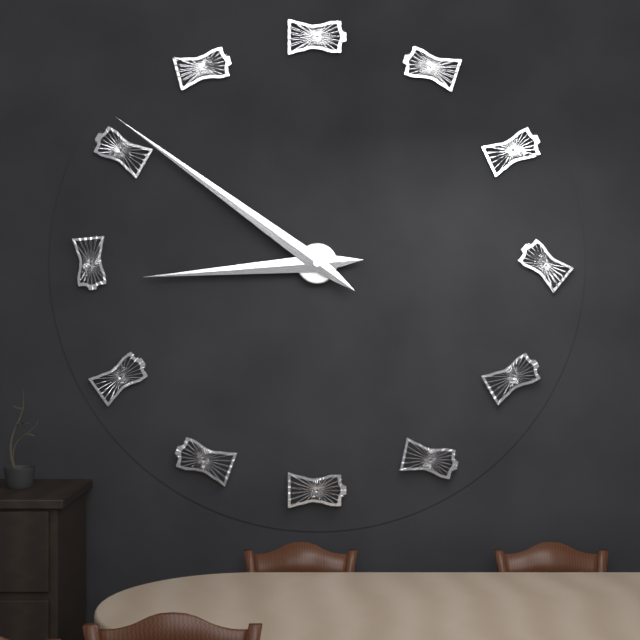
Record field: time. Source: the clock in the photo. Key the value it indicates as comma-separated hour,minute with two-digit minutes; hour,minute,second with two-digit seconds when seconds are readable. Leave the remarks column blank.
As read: 8,51
